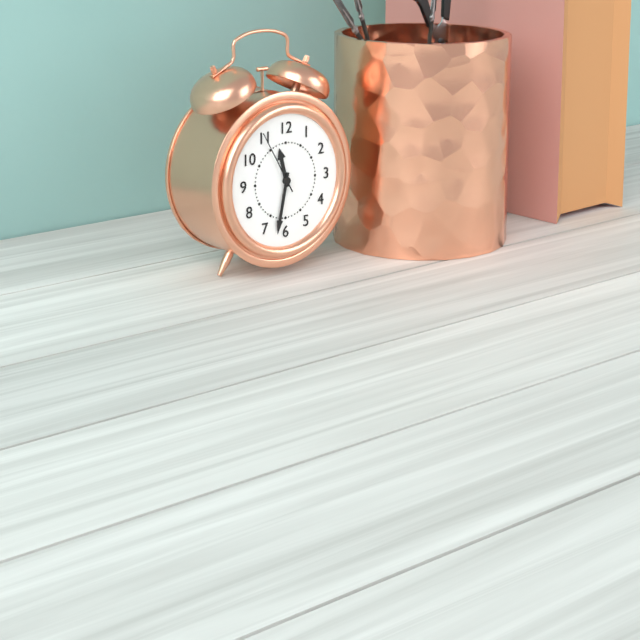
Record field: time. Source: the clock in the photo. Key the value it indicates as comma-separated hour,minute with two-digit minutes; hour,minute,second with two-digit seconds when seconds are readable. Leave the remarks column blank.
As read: 11,32,55
